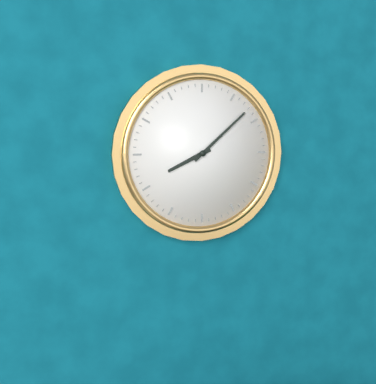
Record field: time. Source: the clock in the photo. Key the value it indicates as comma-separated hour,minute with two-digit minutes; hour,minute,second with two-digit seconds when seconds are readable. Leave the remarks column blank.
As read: 8,08
